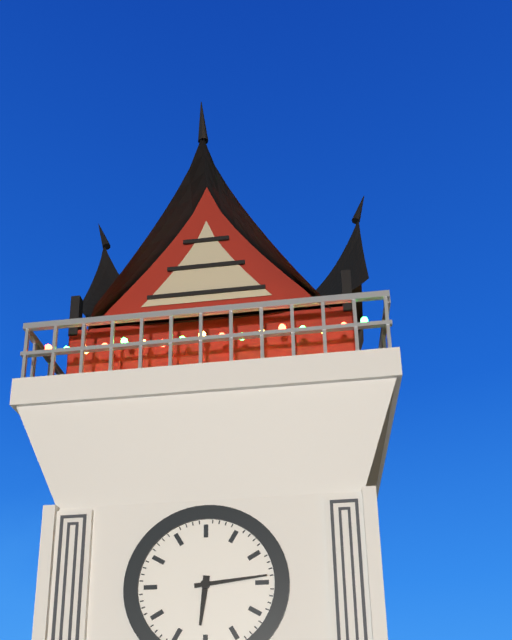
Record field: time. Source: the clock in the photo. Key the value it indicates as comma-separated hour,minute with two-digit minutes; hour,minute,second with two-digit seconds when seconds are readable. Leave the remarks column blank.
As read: 6,14
